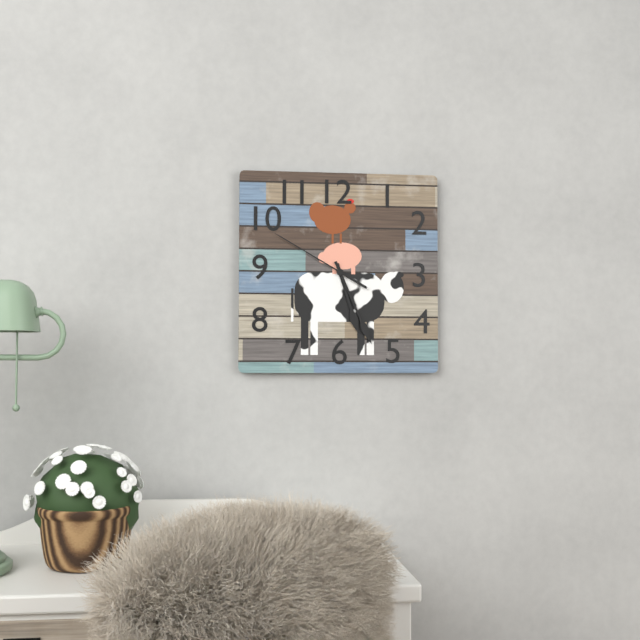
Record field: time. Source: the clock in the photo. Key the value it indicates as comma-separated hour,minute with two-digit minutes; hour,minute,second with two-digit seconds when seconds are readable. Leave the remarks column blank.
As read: 5,26,50
